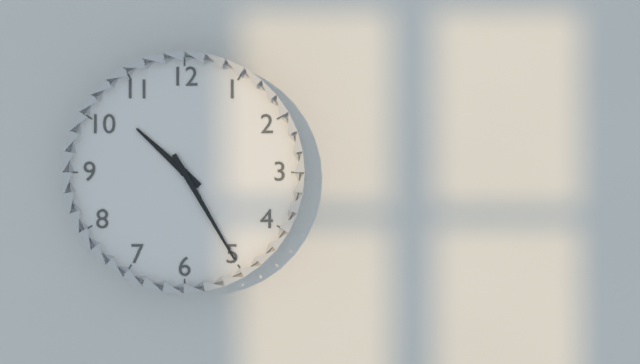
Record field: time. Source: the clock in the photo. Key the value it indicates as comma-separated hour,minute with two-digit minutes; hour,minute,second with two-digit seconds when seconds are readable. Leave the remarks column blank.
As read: 10,25
